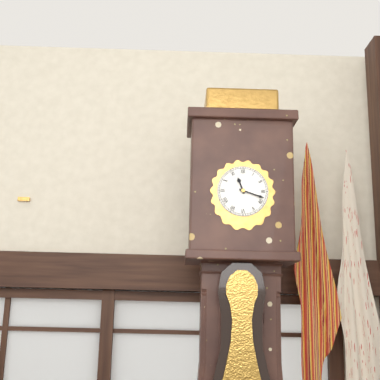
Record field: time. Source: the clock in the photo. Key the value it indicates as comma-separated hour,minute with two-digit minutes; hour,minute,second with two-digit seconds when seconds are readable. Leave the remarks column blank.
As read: 11,18
